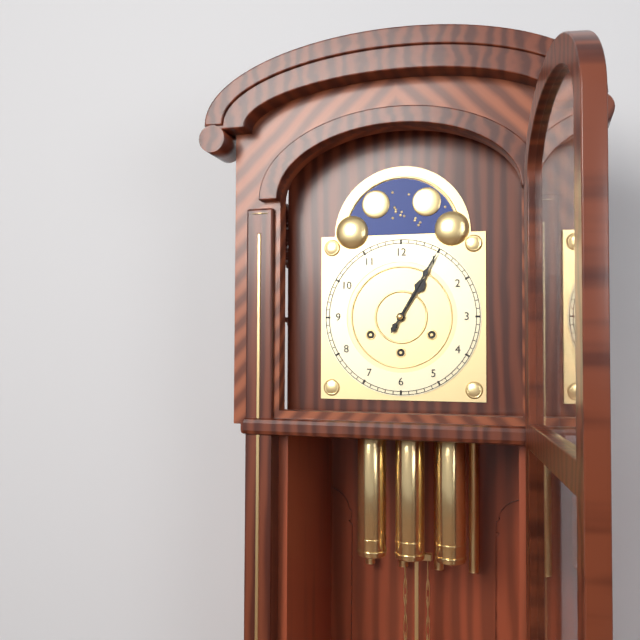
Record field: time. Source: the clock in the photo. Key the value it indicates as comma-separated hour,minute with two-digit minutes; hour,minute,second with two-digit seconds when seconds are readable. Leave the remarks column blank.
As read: 1,05
